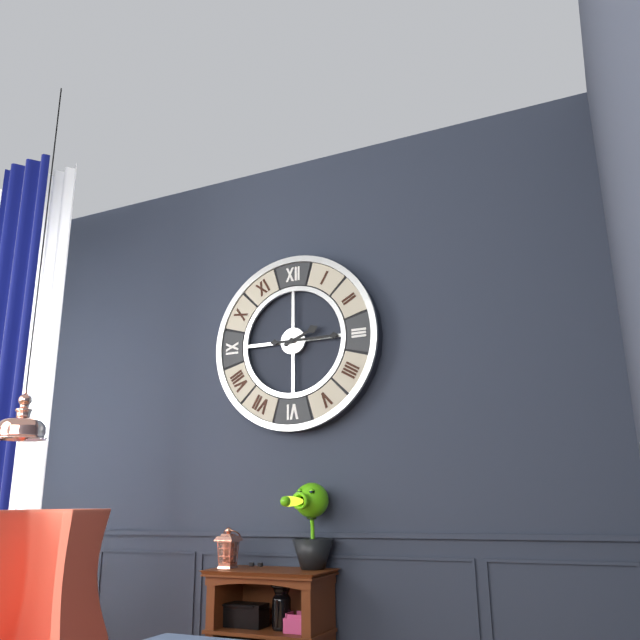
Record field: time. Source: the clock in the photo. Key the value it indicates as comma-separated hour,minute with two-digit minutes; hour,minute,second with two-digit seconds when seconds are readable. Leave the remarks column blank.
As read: 2,15
